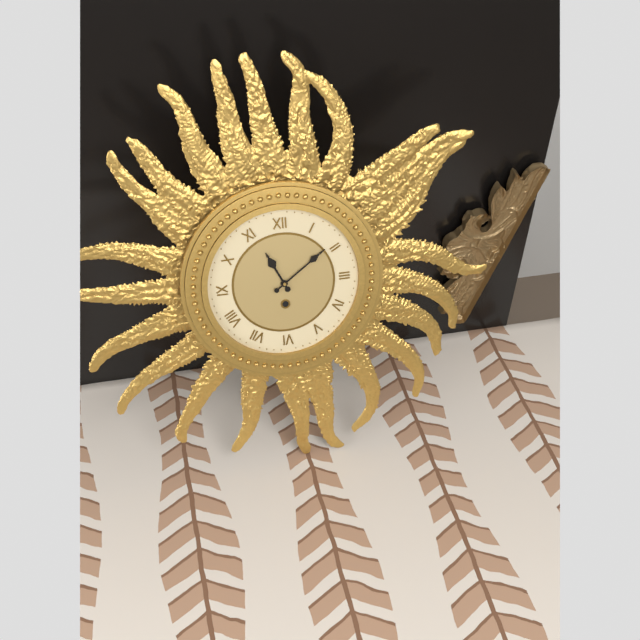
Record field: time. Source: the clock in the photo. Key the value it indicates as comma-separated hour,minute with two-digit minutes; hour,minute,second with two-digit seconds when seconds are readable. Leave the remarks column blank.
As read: 11,09
